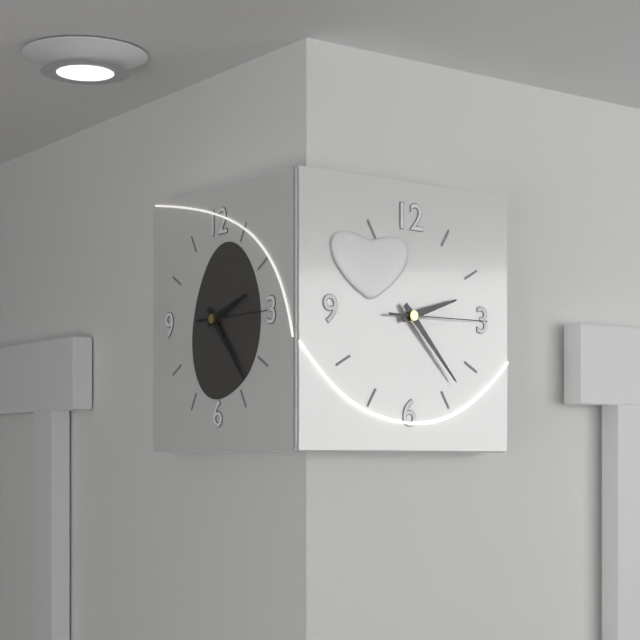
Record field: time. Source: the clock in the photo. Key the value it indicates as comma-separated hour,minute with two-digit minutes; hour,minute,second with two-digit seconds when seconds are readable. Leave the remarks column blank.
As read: 2,23,15
